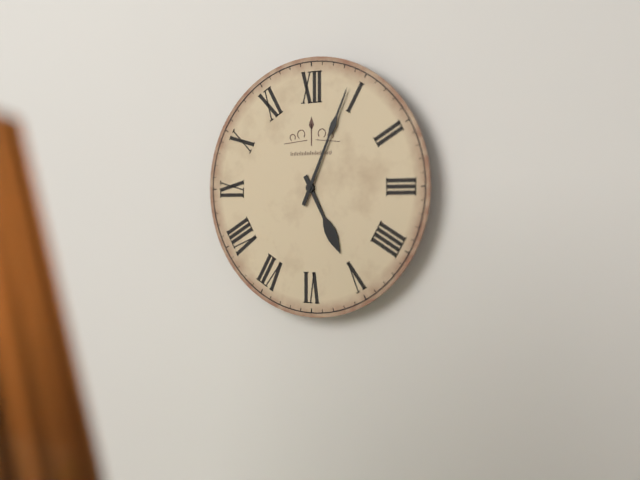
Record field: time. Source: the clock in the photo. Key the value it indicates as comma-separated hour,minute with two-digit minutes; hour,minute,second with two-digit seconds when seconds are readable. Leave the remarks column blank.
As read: 5,04
